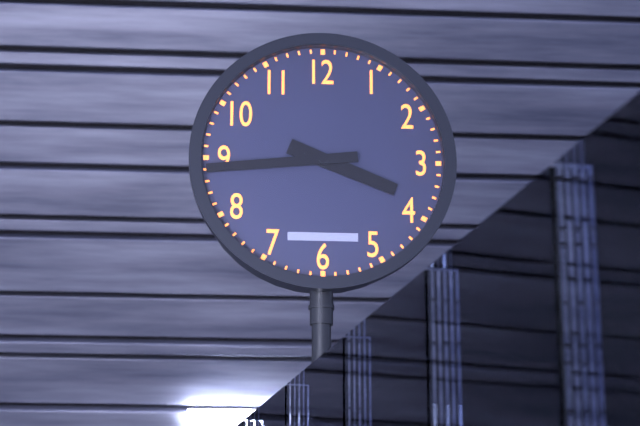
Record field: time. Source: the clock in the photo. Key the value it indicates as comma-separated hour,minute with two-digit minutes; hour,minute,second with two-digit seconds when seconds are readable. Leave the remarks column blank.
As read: 3,44
